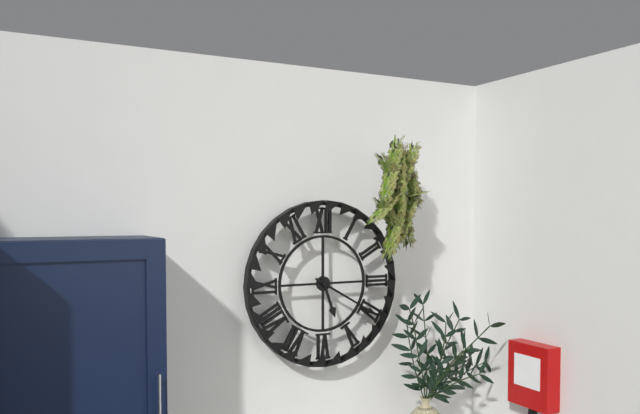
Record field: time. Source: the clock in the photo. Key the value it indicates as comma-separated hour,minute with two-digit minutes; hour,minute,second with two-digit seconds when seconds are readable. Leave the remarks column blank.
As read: 5,20
